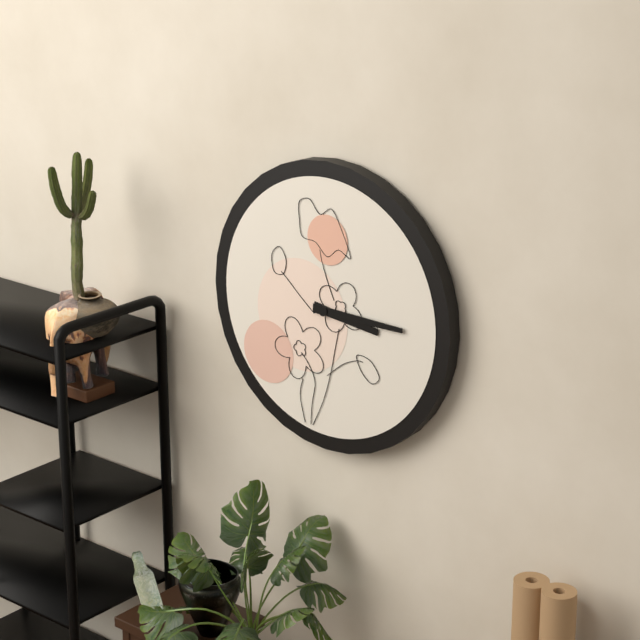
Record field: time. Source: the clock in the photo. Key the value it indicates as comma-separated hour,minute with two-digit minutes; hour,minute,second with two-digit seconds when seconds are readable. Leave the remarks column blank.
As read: 3,15
